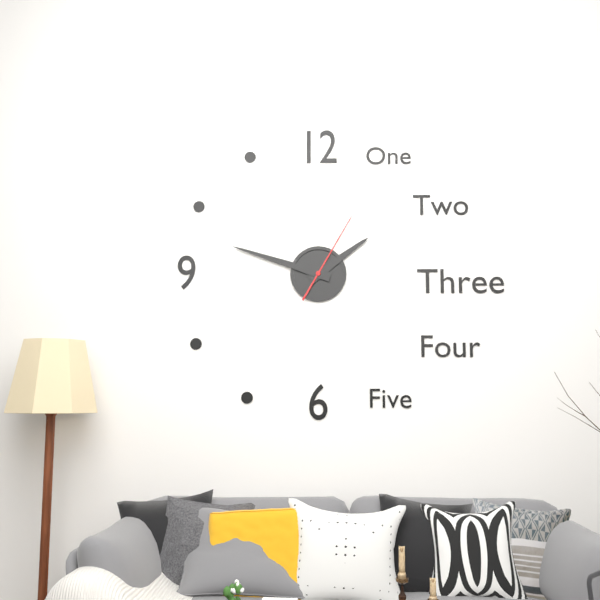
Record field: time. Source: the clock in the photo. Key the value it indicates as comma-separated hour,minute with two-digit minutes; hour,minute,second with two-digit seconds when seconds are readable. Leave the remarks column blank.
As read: 1,48,05
